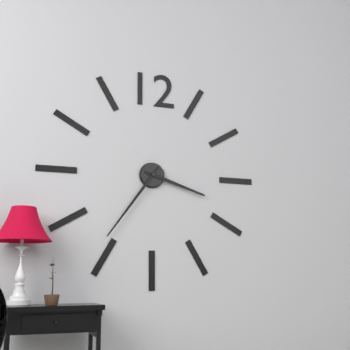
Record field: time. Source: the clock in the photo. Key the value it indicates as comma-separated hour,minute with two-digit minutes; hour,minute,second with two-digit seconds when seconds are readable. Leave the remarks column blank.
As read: 3,36
